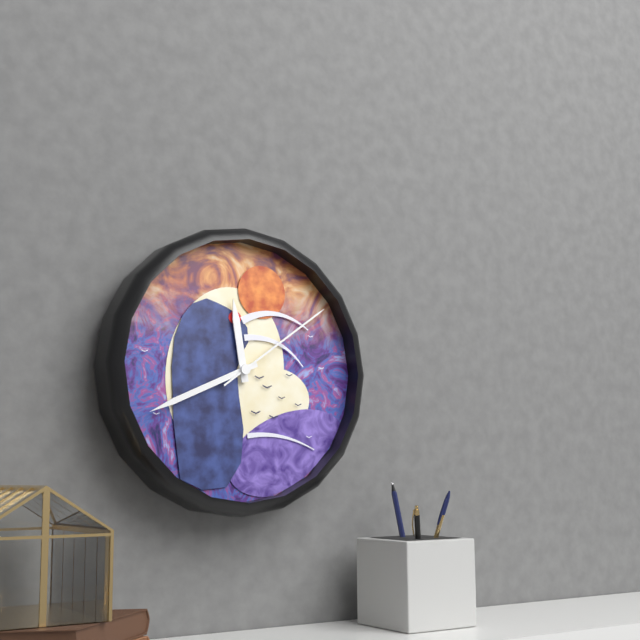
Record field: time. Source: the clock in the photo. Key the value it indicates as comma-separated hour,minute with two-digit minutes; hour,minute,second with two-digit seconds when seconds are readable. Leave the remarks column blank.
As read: 11,41,09
